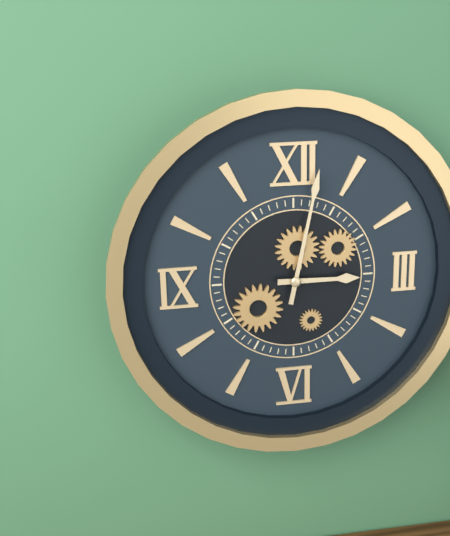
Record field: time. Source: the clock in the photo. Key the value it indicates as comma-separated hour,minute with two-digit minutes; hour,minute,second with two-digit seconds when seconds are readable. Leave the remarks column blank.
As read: 3,02
